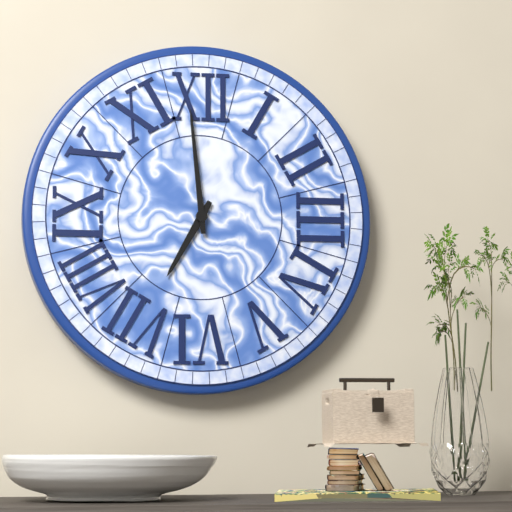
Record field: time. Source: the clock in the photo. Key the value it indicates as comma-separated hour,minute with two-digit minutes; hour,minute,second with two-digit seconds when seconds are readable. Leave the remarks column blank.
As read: 6,59
